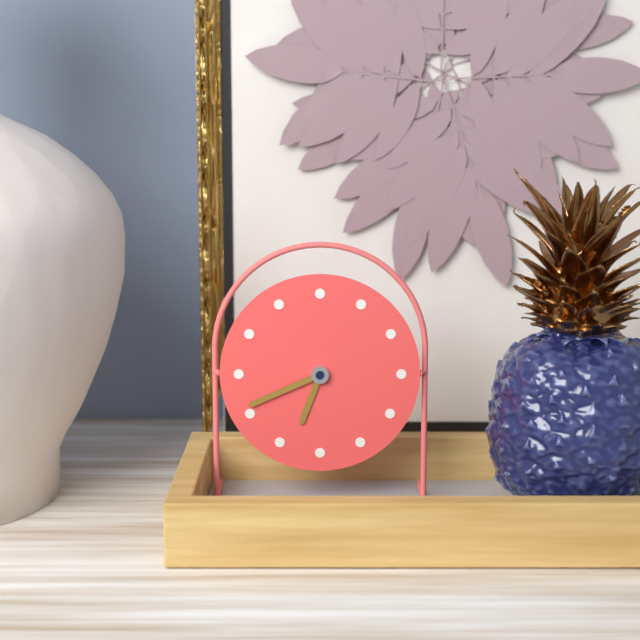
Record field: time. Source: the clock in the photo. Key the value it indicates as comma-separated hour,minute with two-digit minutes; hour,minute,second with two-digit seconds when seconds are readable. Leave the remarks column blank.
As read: 6,41
